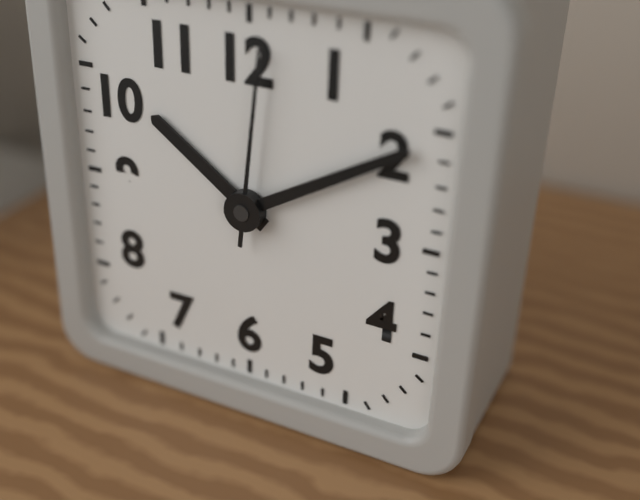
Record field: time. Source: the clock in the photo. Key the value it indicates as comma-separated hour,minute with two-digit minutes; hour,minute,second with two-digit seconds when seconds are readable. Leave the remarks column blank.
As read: 10,10,01
